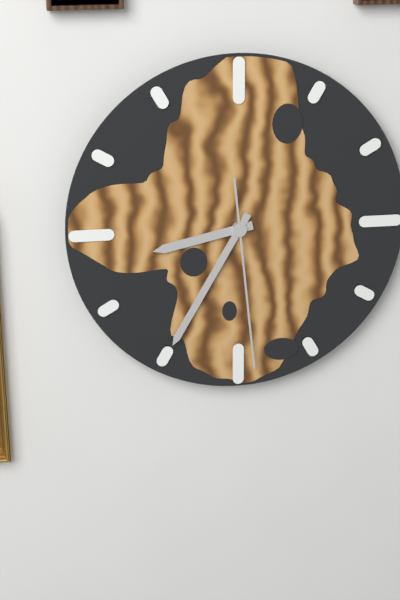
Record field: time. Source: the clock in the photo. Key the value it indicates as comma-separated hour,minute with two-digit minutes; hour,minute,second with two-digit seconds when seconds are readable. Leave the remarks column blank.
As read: 8,35,29
